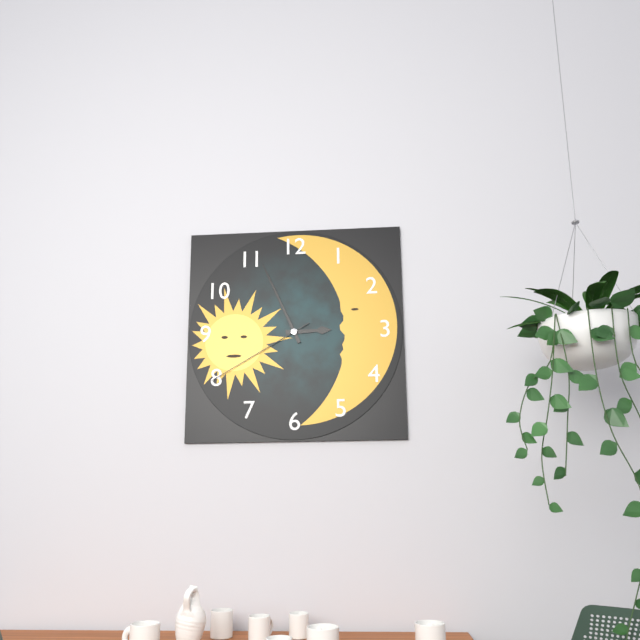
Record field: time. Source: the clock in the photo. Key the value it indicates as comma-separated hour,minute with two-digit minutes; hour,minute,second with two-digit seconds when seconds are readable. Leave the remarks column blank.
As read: 2,56,40
